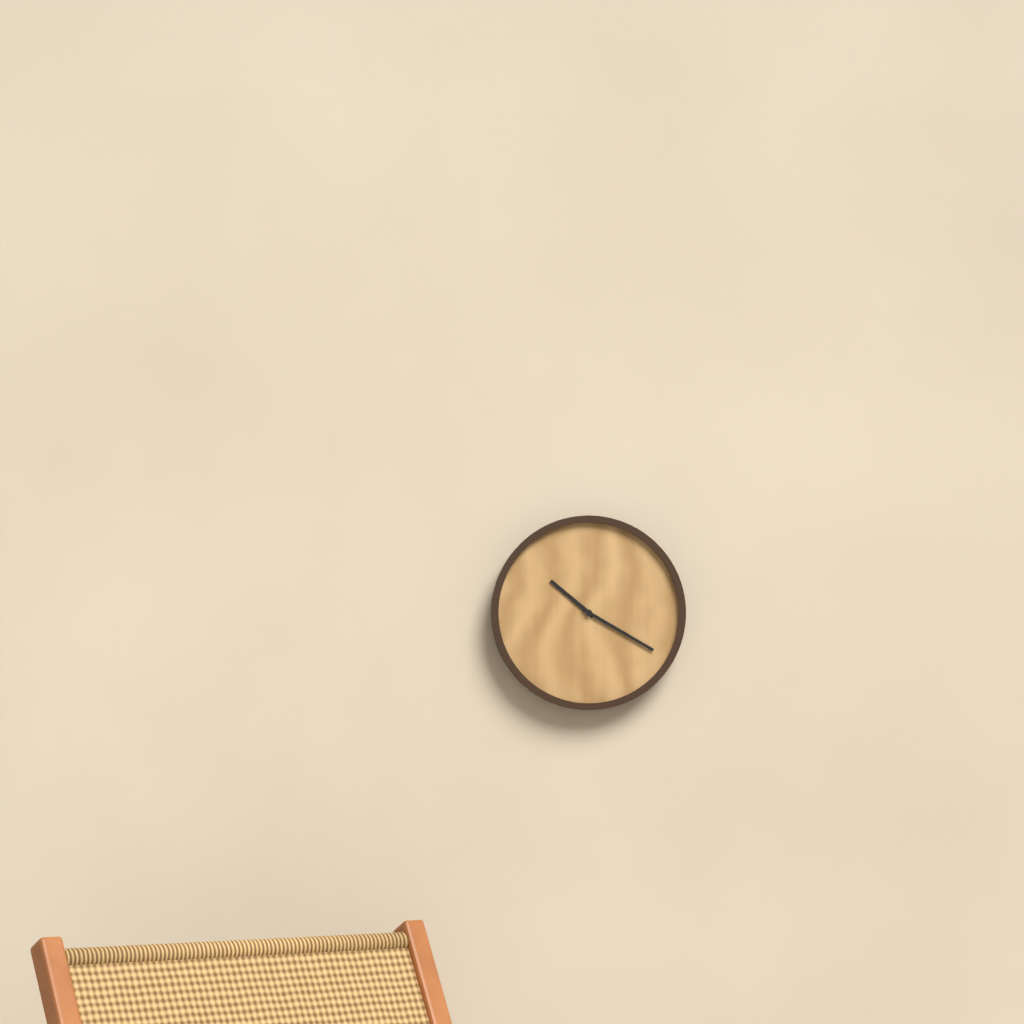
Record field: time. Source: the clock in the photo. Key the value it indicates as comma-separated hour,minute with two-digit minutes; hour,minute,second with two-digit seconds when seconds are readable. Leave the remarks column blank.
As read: 10,20
